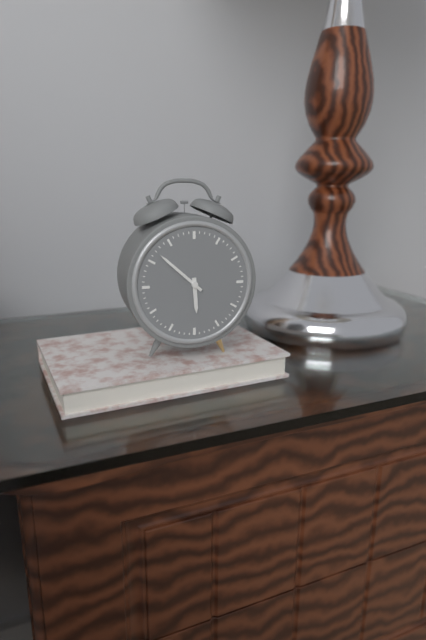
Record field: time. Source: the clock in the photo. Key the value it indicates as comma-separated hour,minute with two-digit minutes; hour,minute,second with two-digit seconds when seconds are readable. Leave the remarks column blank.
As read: 5,52
